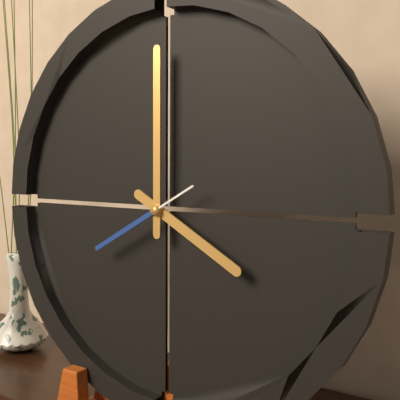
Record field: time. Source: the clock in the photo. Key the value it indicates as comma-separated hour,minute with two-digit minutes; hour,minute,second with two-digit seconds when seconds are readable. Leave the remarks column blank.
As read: 4,00,40
